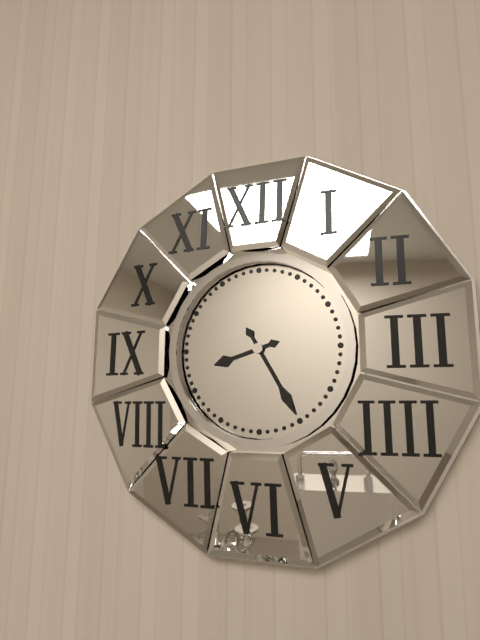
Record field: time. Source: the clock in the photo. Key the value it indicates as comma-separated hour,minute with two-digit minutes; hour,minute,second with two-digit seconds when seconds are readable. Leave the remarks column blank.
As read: 8,25
